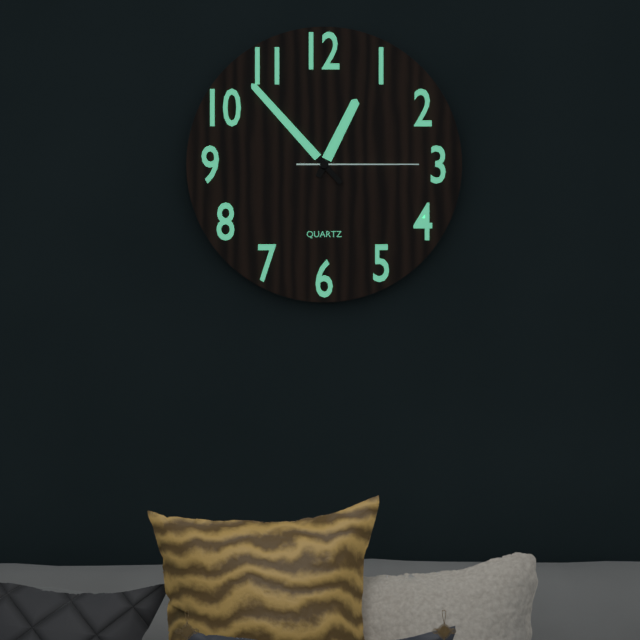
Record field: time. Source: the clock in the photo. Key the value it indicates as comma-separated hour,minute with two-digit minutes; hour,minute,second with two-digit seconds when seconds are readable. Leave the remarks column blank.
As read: 12,53,15
